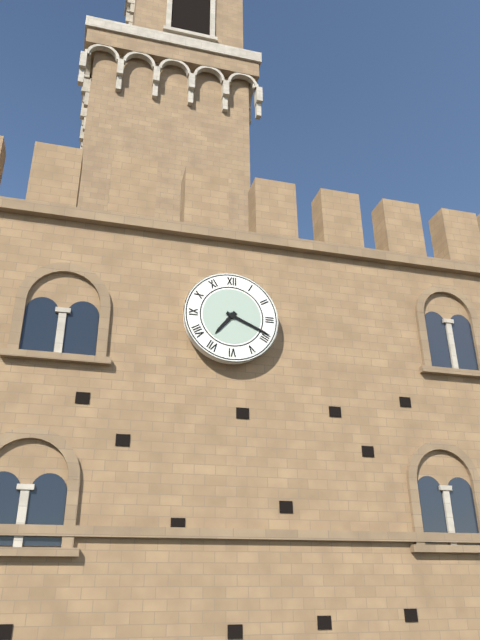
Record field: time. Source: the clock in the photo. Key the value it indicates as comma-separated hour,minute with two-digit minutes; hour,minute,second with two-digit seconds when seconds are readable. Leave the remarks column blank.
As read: 7,19
